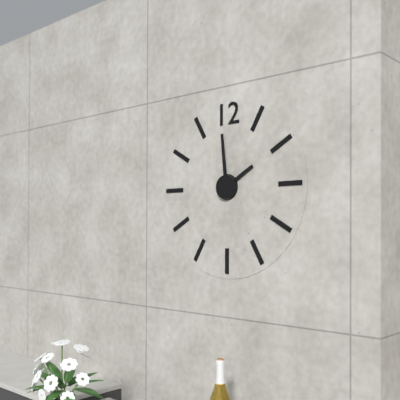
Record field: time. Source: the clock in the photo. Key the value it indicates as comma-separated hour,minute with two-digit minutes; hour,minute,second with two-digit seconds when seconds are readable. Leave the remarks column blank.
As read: 1,59
